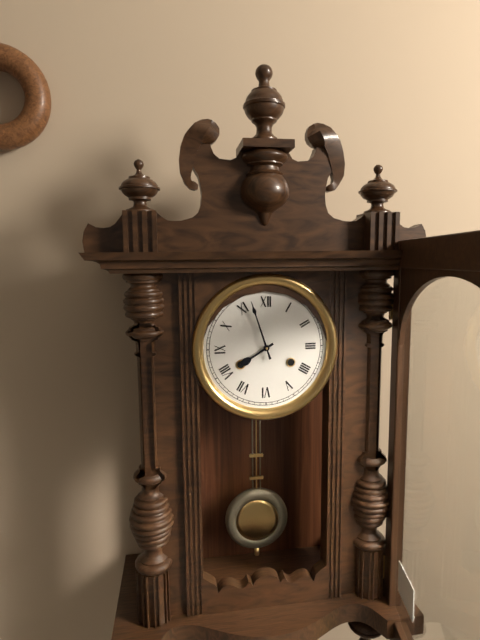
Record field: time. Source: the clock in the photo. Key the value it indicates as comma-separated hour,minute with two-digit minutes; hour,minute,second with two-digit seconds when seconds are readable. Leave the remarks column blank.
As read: 7,57
